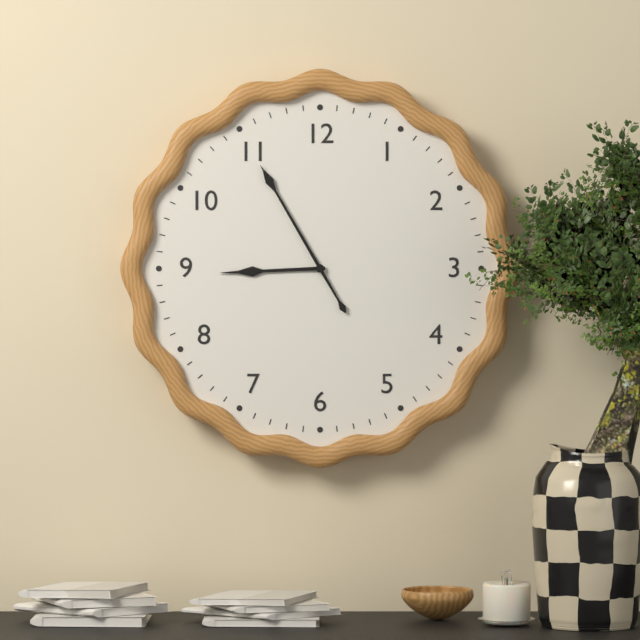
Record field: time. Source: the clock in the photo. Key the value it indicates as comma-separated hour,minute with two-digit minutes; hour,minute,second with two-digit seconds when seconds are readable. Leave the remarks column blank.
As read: 8,55
